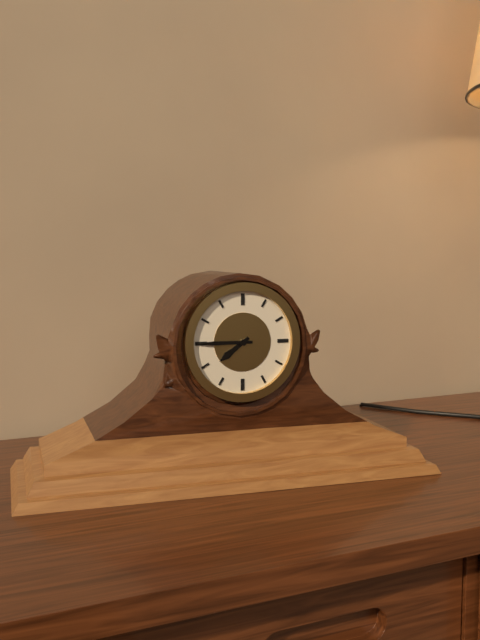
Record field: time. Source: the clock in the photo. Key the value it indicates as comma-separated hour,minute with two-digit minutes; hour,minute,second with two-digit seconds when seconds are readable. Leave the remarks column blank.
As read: 7,45
